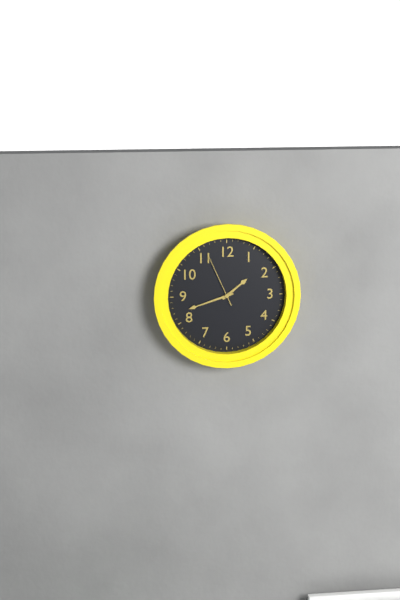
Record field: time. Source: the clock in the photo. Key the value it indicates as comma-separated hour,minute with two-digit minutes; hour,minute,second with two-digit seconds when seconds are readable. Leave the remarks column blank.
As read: 1,42,56
